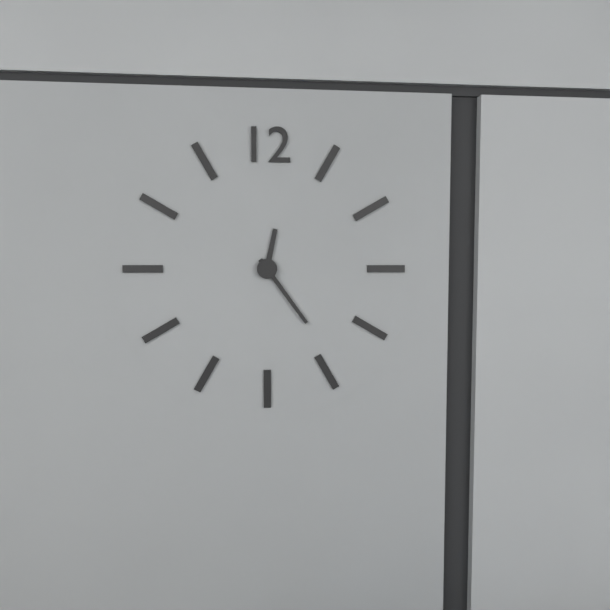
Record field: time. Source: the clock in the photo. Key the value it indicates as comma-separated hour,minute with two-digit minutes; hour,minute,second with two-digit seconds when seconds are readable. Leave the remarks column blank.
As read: 12,24
